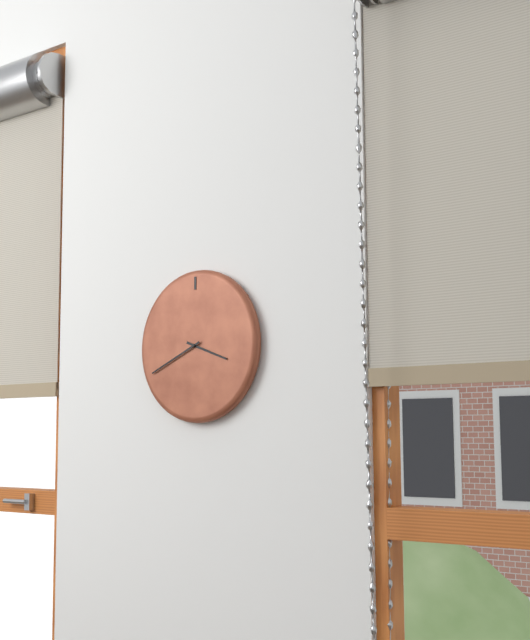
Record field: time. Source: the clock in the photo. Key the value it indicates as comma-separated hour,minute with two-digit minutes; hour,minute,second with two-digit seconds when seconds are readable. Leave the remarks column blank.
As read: 3,41
